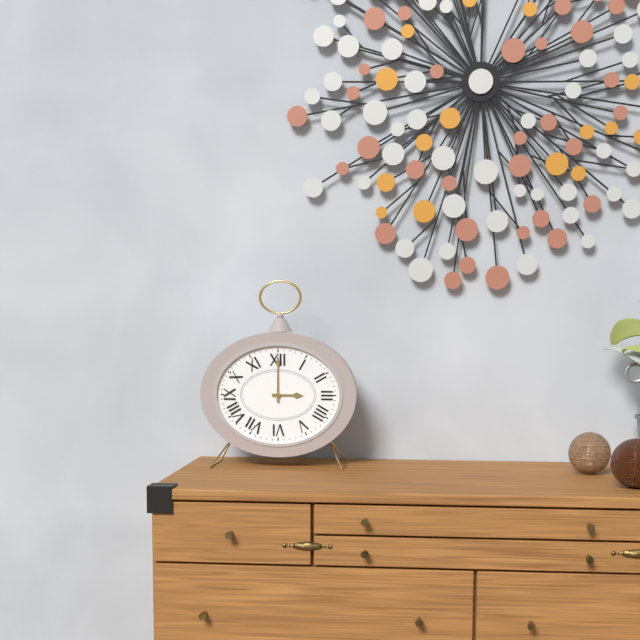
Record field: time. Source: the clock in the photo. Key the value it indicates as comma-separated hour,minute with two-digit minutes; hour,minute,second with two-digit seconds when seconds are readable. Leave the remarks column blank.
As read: 3,00
